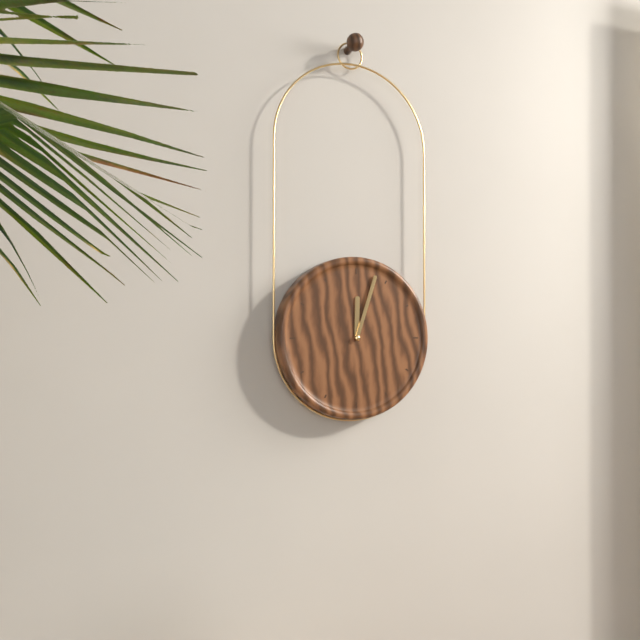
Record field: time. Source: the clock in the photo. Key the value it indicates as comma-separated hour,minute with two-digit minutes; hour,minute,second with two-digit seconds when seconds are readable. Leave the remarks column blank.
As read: 12,03
